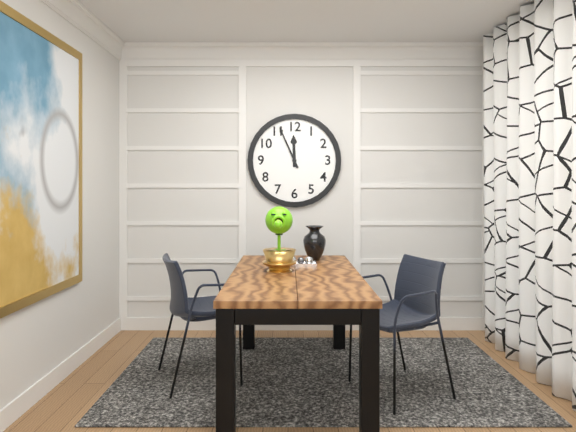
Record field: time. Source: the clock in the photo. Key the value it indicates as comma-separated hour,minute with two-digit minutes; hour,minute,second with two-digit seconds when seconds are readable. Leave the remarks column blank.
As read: 11,56
